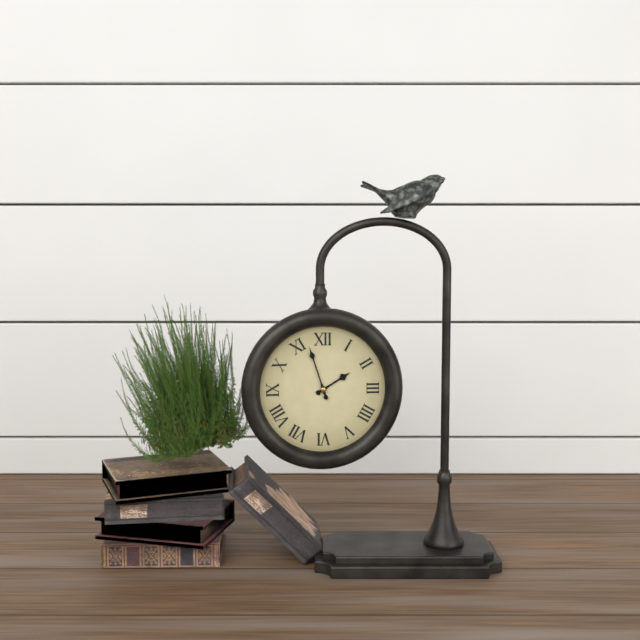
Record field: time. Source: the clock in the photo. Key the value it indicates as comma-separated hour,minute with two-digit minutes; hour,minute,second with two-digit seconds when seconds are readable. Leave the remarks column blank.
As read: 1,57
